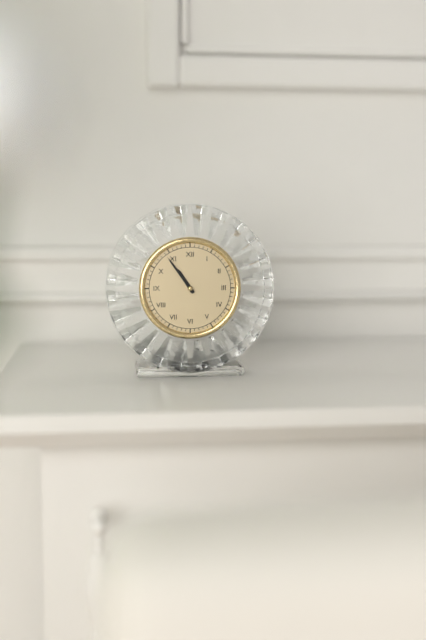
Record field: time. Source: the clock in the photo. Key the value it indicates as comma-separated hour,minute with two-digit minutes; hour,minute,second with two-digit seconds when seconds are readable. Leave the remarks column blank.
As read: 10,54
